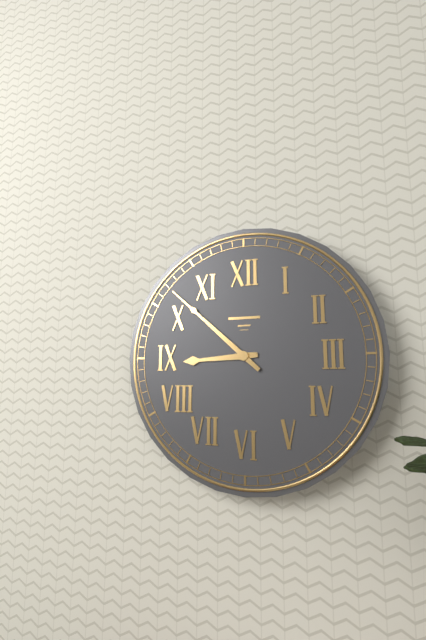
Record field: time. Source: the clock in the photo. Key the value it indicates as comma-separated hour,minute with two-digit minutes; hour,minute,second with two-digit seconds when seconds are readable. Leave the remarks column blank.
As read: 8,52
